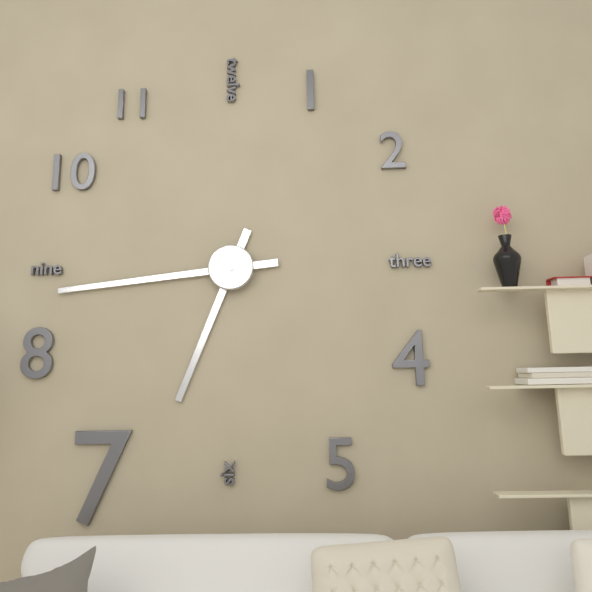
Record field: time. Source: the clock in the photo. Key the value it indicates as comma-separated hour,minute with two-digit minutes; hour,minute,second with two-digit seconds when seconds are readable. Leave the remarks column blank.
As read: 6,44
